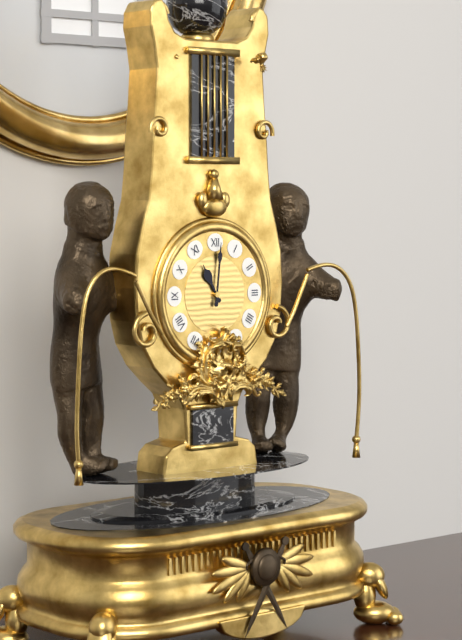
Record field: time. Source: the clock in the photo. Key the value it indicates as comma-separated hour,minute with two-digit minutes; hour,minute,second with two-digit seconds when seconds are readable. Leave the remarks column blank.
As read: 11,01
